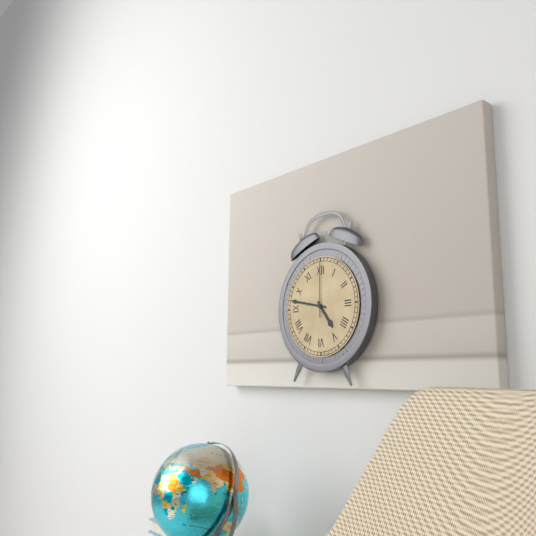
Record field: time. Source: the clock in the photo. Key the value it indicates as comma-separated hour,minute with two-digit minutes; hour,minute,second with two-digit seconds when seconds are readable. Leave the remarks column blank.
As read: 4,47,00
